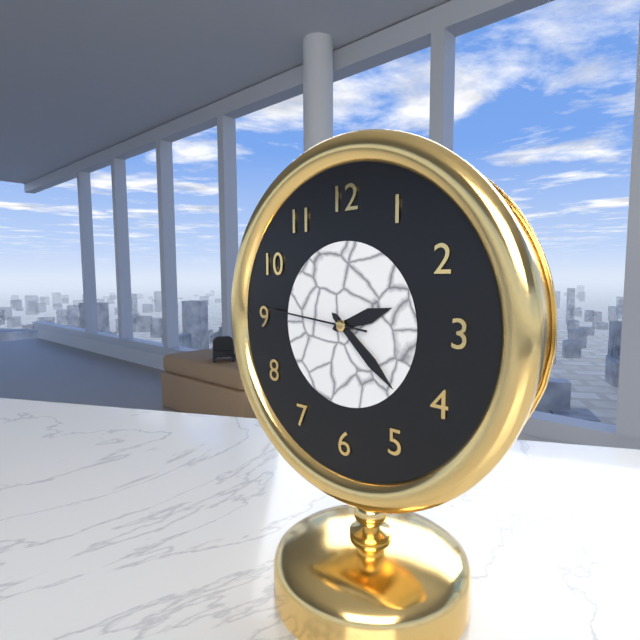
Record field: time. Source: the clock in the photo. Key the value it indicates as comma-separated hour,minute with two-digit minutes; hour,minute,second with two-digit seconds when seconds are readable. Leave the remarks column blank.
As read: 2,22,46
